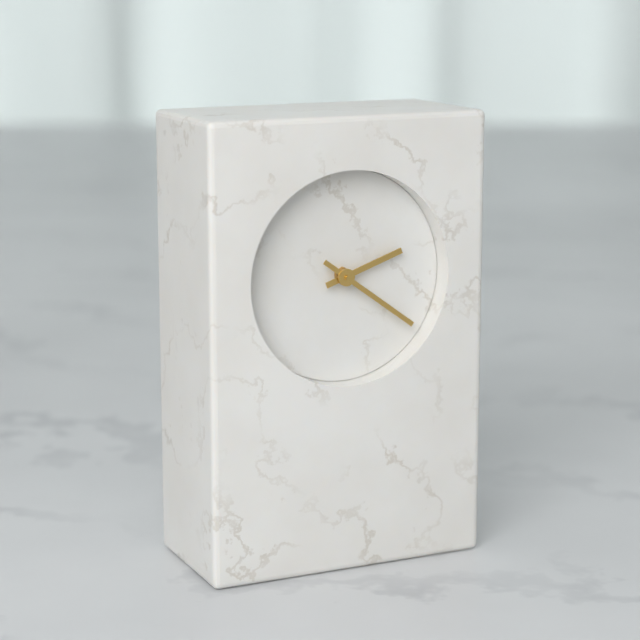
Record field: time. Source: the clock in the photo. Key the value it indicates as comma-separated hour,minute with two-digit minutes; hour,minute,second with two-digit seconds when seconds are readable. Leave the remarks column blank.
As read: 2,21
